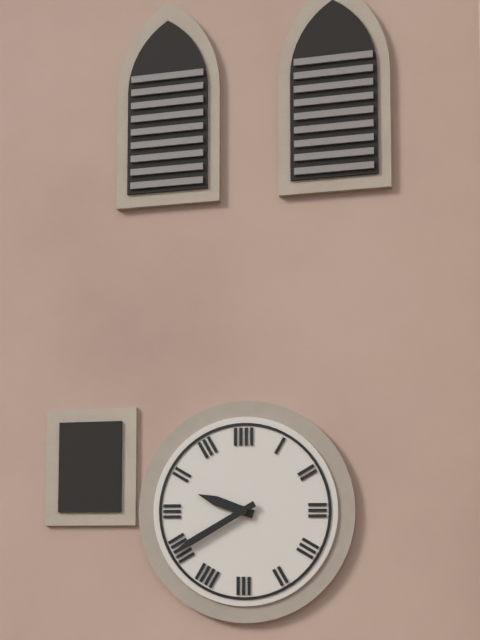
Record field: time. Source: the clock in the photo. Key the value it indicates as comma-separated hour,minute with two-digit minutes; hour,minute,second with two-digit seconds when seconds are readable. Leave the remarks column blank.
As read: 9,40
